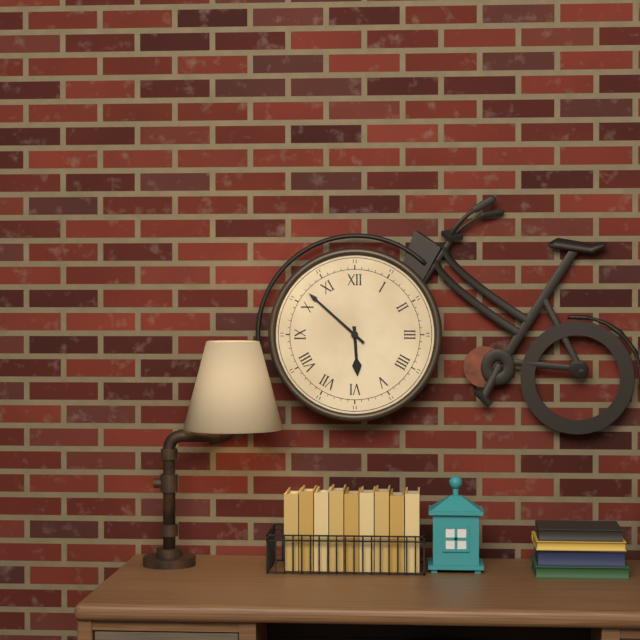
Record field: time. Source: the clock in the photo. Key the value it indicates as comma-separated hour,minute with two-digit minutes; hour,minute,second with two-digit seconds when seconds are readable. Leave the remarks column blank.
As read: 5,52
